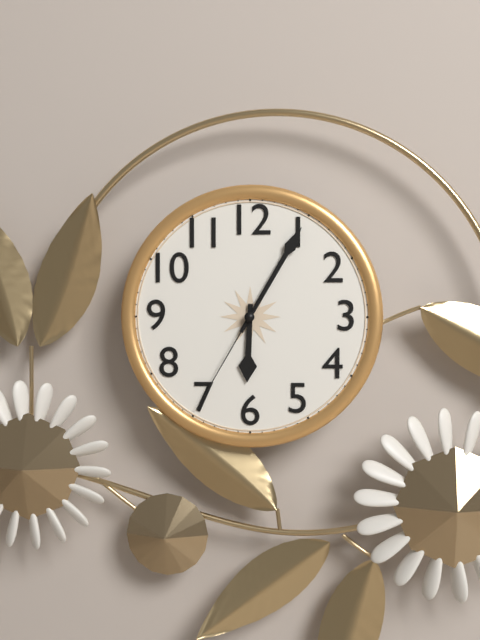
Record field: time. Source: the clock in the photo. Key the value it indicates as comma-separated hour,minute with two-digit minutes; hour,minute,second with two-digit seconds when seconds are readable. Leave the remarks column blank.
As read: 6,05,35
